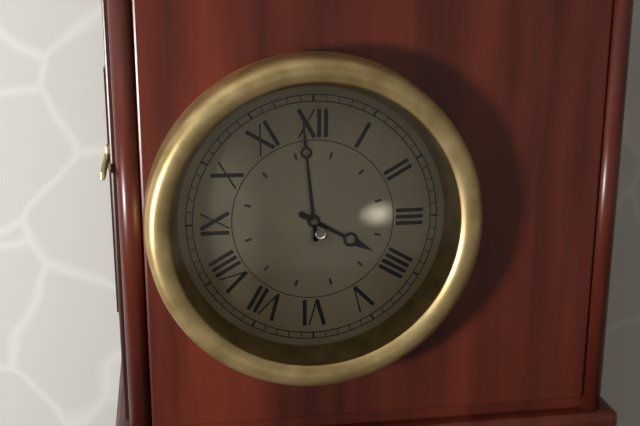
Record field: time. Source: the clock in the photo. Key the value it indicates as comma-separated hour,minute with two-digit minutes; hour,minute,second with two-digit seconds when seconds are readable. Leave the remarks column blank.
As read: 3,59
